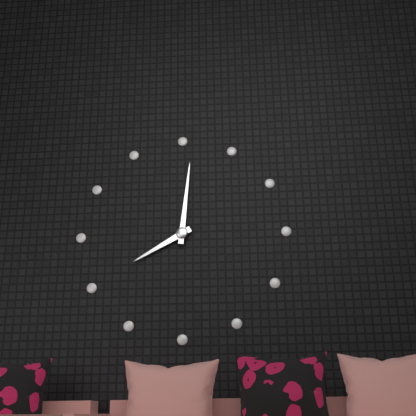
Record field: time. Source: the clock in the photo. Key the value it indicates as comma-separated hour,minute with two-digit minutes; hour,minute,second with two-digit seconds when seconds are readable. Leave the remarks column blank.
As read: 8,01
